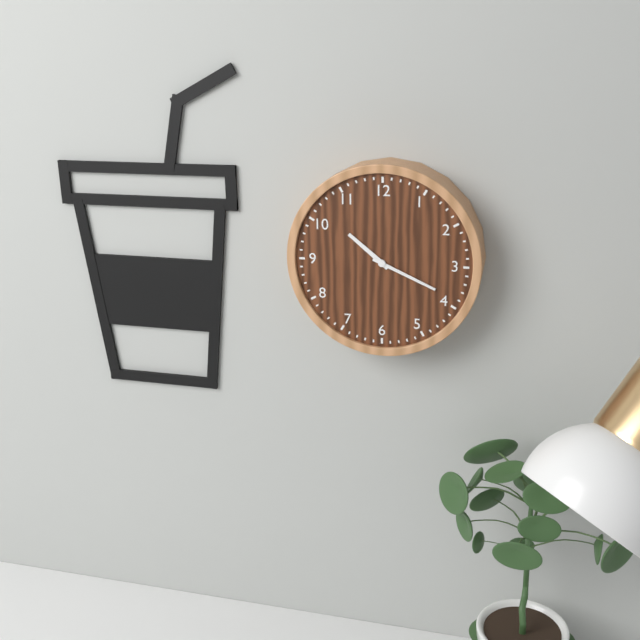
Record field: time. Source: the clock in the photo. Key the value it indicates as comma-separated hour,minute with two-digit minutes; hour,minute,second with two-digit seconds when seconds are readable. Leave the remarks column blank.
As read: 10,19
